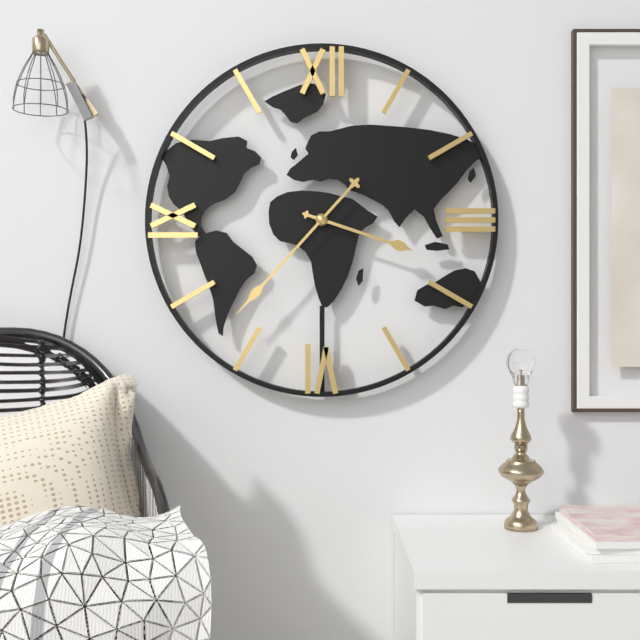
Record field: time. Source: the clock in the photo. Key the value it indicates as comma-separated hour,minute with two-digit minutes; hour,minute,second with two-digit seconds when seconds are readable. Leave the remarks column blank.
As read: 3,37
